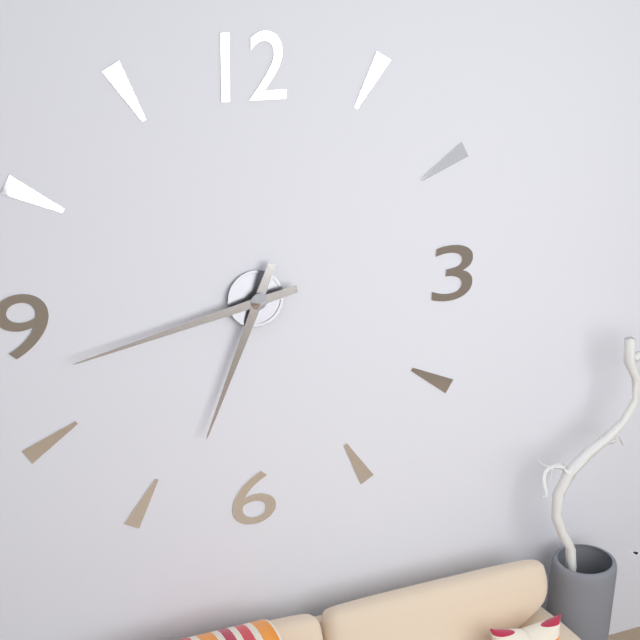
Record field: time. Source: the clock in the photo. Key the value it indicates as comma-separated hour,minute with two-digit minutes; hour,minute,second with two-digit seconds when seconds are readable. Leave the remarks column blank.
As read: 6,43
